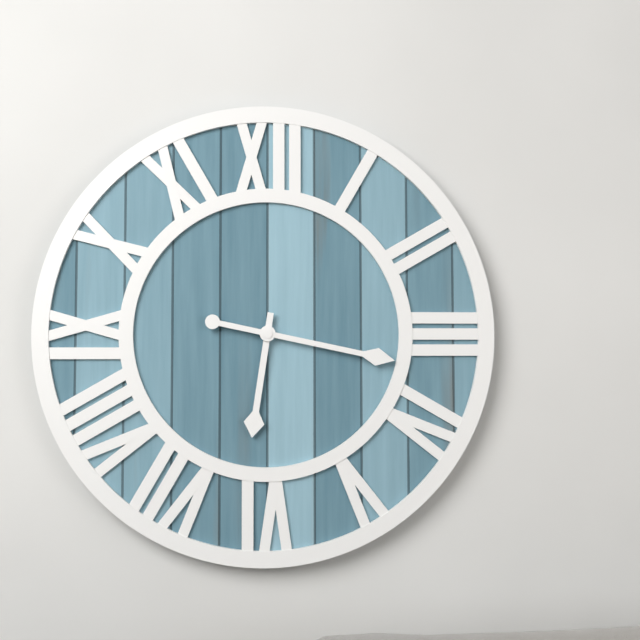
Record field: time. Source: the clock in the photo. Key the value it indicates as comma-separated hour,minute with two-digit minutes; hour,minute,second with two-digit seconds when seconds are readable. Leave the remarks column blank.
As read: 6,17
